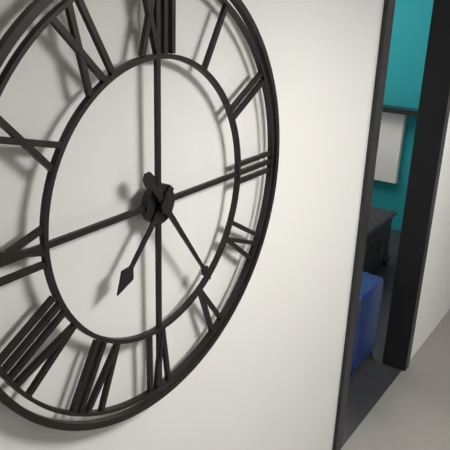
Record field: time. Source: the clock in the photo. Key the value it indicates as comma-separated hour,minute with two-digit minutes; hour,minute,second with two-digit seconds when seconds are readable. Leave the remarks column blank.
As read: 7,24
